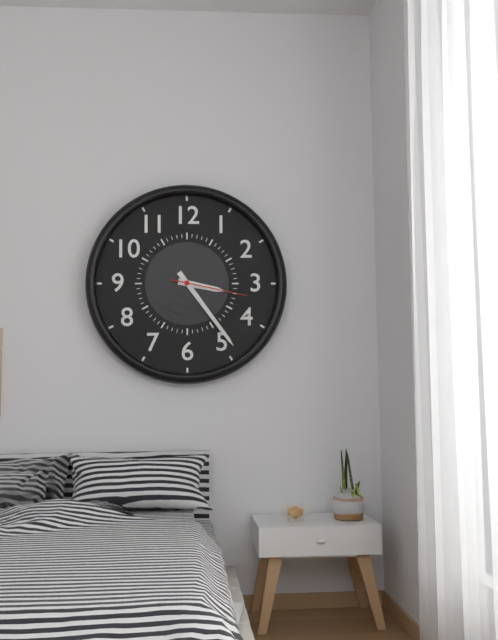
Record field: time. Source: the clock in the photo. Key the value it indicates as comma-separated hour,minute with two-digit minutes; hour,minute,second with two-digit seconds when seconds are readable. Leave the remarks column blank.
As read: 3,24,17
